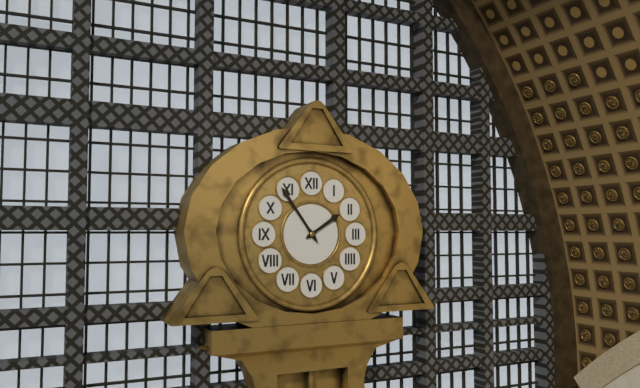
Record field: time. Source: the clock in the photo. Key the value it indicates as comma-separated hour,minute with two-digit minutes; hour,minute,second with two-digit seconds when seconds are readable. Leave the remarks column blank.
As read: 1,54
